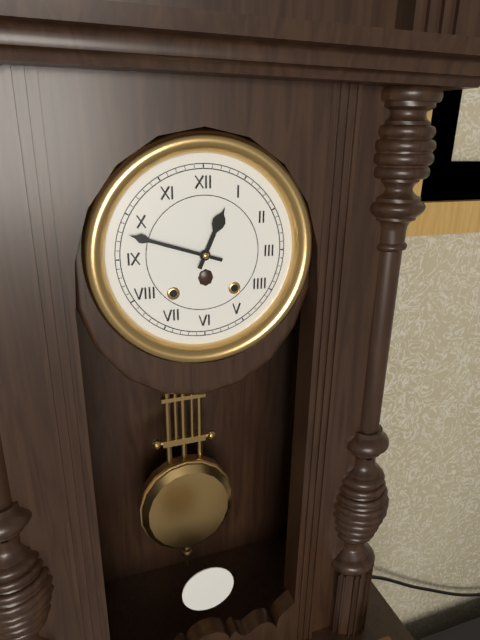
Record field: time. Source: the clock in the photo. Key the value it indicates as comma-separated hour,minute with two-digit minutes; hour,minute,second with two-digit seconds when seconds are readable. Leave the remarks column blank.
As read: 12,48
